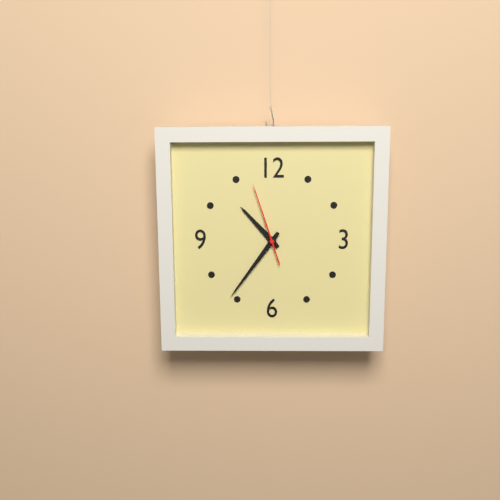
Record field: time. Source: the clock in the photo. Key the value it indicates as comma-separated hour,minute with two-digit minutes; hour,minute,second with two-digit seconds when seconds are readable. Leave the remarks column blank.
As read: 10,36,57
